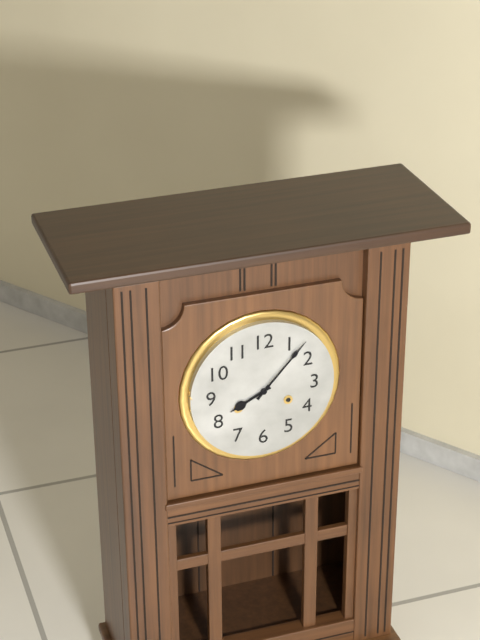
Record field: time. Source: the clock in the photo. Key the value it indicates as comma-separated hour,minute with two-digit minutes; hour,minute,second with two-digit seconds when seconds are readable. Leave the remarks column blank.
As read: 8,07
